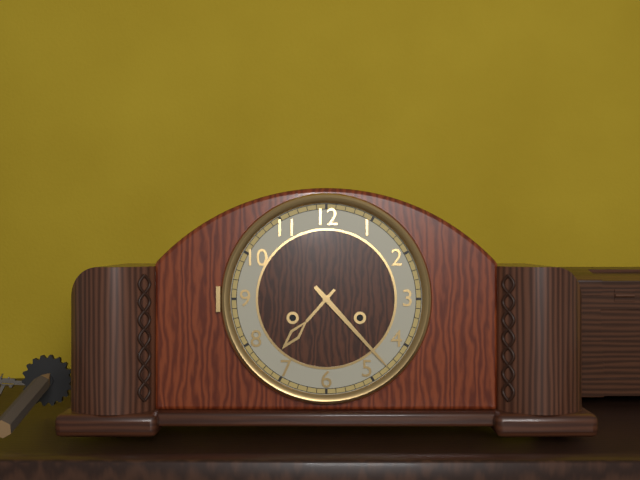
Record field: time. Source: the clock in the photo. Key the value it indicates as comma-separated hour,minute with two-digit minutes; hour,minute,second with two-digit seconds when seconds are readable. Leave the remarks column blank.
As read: 7,23
